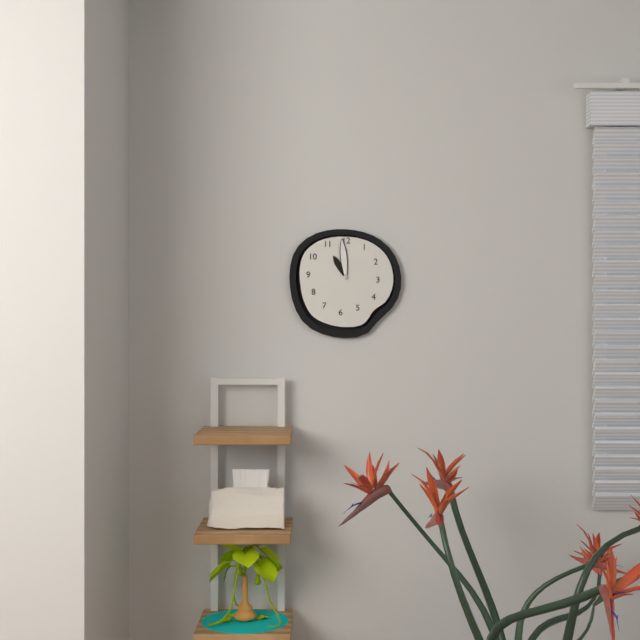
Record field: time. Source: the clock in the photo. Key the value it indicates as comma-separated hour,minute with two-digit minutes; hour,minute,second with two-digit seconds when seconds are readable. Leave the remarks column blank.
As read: 10,59
